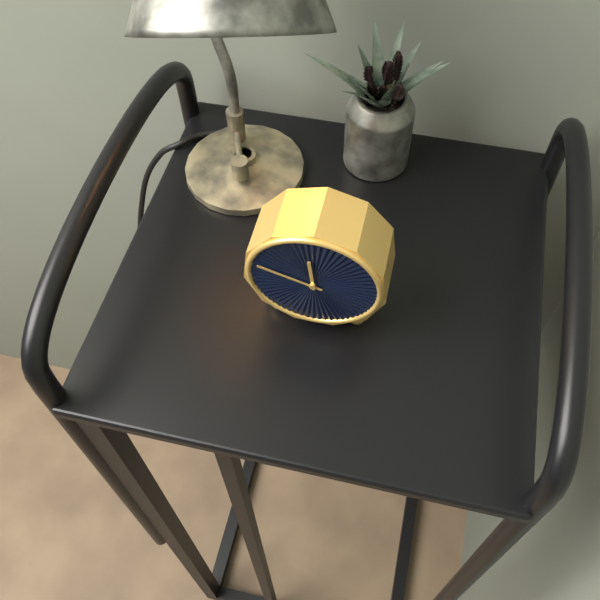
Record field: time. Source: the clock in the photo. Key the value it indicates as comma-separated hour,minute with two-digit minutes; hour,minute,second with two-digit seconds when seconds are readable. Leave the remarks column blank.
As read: 11,48
